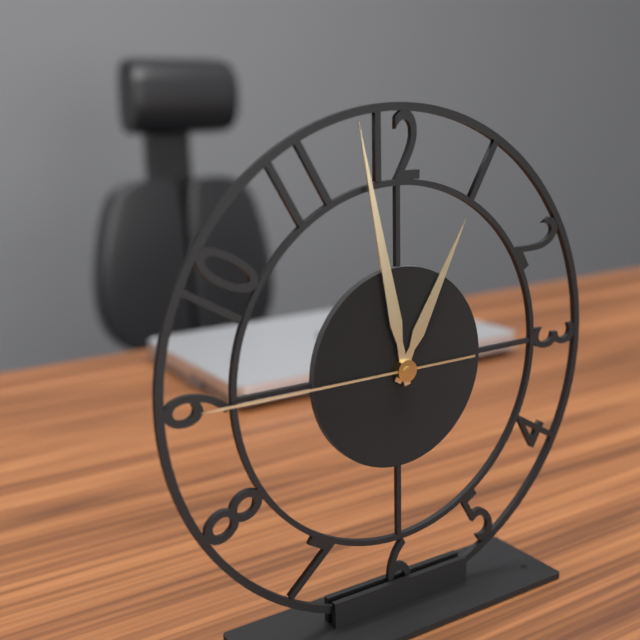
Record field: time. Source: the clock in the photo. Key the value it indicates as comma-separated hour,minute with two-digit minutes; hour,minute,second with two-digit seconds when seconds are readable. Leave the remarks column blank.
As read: 12,58,45
